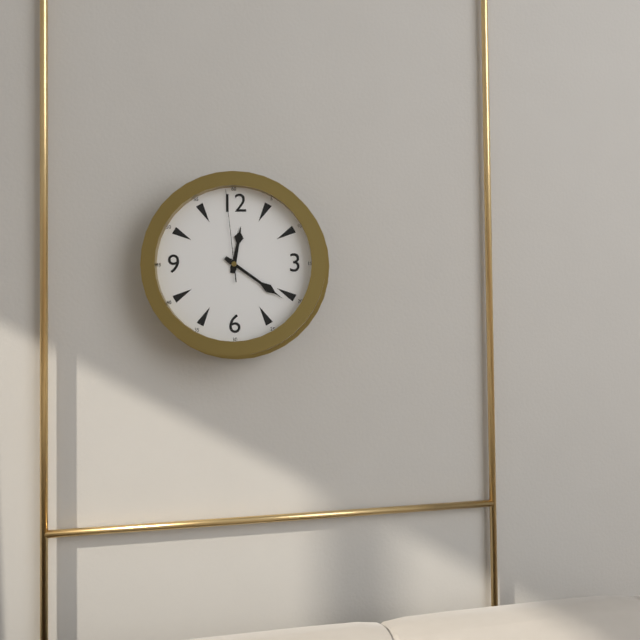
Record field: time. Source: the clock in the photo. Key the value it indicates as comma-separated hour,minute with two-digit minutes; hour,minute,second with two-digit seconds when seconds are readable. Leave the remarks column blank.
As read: 12,21,59
